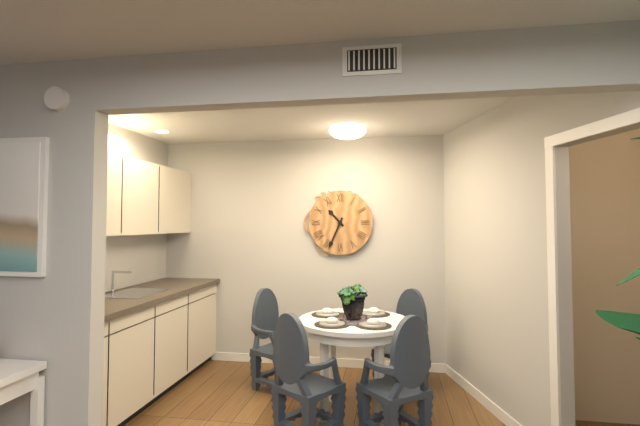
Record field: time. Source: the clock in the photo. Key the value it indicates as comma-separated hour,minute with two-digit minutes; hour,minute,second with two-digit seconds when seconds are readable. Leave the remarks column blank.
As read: 10,34
